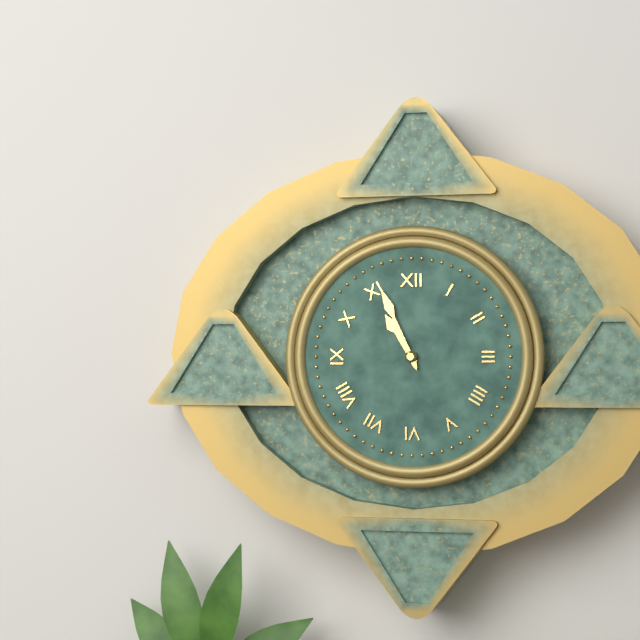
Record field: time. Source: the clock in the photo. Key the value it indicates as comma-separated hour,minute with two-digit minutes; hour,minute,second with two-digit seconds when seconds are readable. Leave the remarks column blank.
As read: 10,56
